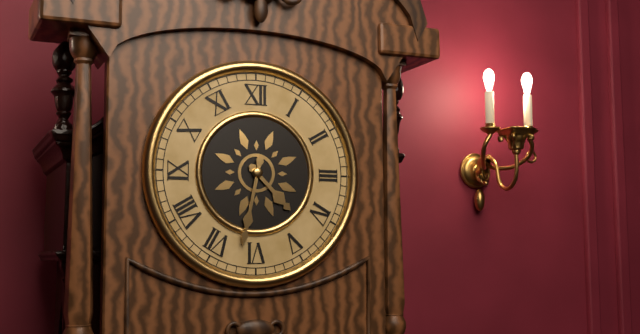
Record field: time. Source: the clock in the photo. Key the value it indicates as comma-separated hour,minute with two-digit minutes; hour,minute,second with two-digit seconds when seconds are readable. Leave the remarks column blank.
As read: 4,32
